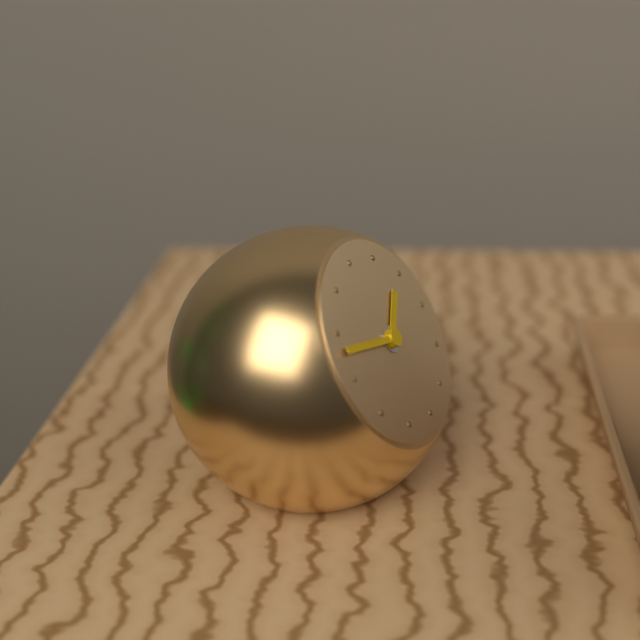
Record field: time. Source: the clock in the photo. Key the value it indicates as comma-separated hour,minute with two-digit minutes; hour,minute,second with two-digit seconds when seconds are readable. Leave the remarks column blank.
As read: 1,48
